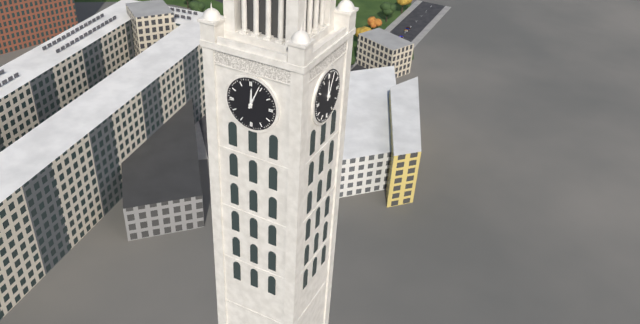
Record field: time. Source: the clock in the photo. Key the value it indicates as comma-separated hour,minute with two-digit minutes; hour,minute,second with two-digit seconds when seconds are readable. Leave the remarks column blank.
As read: 12,04
